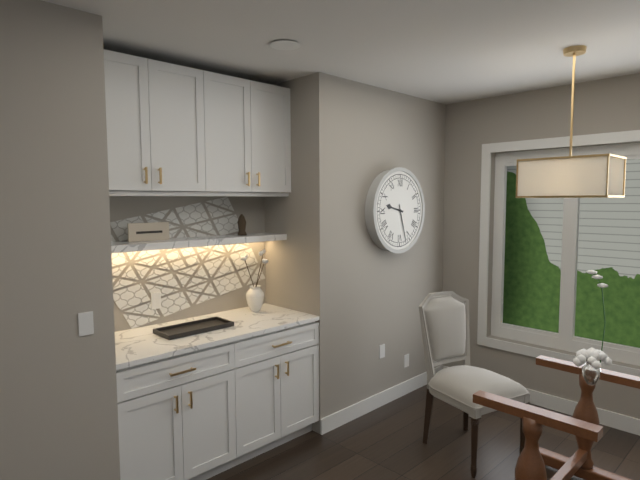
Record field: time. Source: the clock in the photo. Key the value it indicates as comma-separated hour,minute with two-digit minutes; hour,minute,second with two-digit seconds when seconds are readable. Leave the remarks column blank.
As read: 9,27
